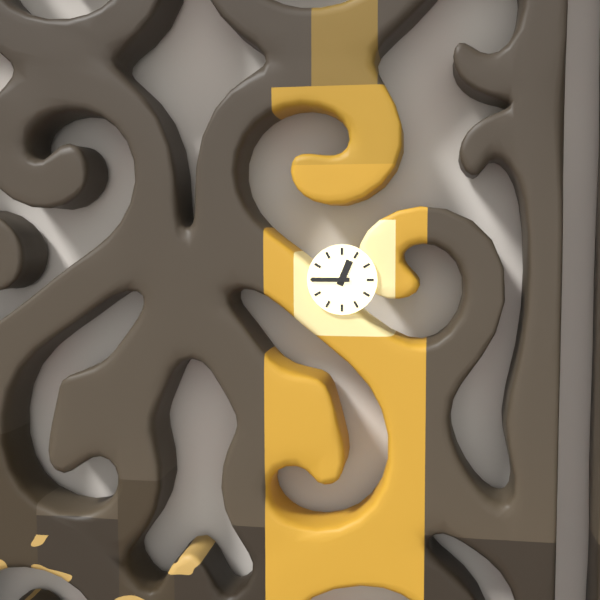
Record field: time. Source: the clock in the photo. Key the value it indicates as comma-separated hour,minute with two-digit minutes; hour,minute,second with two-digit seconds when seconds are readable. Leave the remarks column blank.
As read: 12,45
